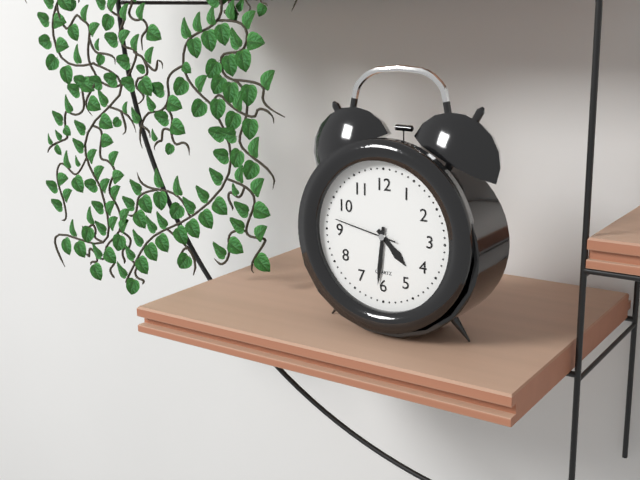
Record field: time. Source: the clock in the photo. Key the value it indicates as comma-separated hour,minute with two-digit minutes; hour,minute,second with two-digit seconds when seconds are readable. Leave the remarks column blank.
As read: 4,31,47
